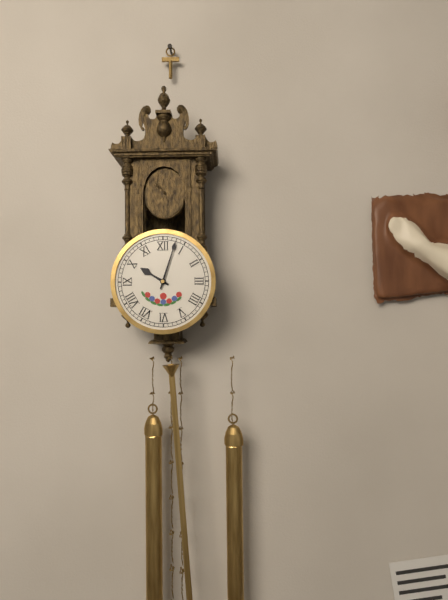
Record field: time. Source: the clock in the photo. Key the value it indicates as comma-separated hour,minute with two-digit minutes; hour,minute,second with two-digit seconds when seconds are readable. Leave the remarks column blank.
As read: 10,03
